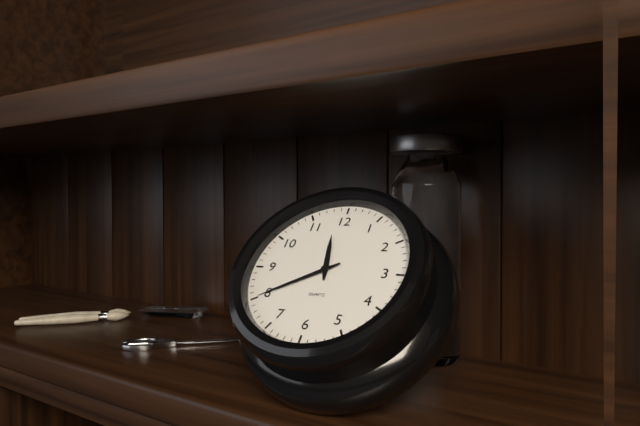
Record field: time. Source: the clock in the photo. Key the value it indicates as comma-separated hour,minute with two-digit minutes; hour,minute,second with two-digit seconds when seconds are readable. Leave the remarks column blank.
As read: 11,40
